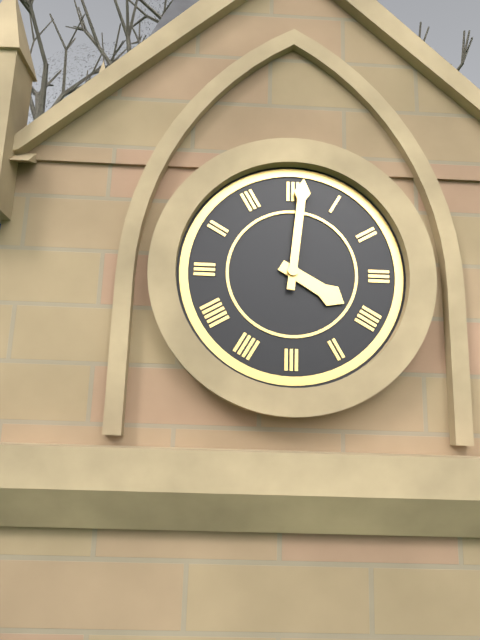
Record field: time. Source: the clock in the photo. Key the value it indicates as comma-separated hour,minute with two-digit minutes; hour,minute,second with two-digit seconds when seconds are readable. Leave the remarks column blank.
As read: 4,01
